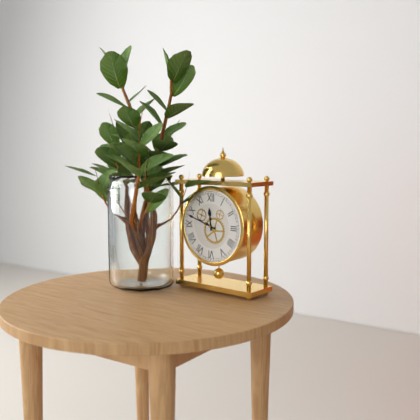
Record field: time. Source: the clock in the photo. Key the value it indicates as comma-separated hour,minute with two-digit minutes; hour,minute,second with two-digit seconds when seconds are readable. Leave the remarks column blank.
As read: 11,48
